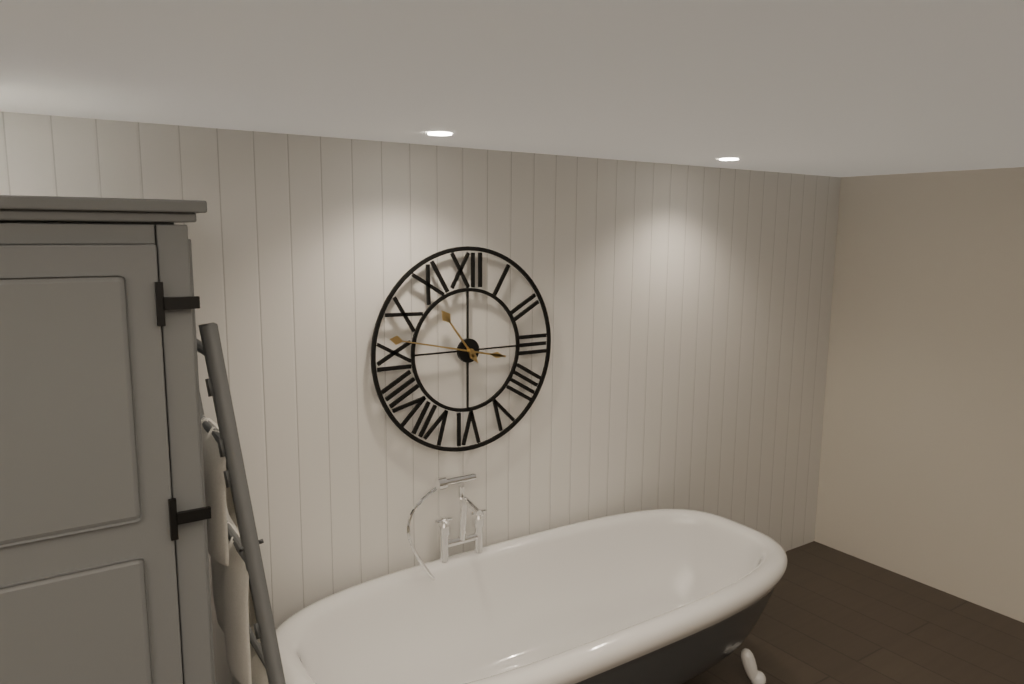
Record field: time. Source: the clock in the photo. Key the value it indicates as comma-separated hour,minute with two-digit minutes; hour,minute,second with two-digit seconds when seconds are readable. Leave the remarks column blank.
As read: 10,47
